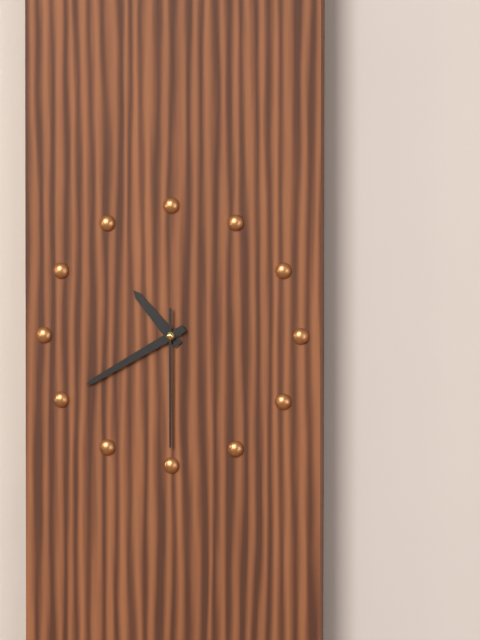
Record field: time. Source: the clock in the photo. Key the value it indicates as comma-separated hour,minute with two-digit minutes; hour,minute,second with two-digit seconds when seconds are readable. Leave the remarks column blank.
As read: 10,40,30
